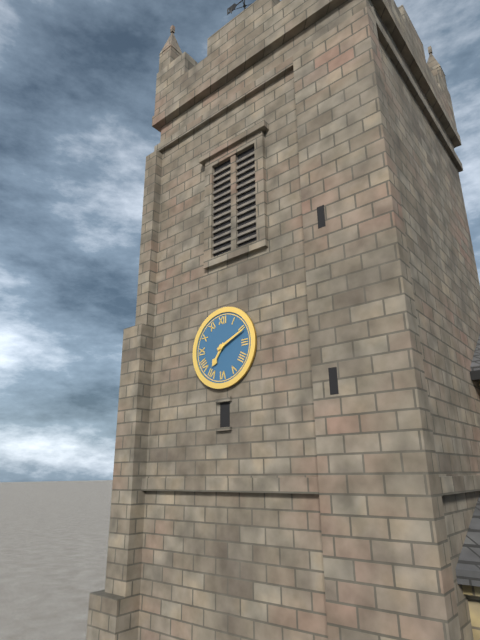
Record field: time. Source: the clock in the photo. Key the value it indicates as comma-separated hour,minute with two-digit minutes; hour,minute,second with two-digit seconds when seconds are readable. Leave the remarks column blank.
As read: 7,11
